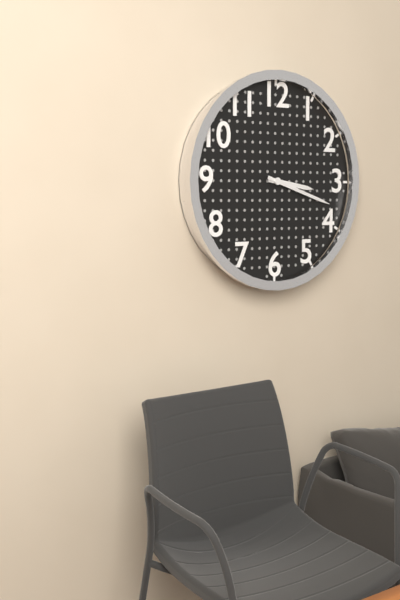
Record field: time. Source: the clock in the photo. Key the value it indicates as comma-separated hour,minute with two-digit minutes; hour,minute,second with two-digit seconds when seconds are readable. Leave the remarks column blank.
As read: 3,18
